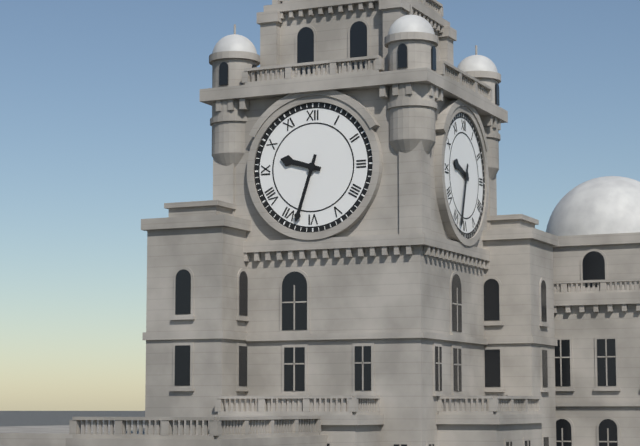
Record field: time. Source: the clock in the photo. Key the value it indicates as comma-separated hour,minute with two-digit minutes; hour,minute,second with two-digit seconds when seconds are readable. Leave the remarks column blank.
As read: 9,33
